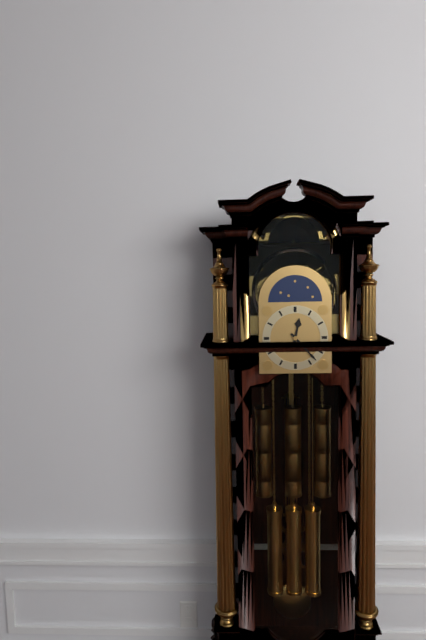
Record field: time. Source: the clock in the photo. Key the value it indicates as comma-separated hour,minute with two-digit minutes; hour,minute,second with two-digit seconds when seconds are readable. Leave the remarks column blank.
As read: 12,23
